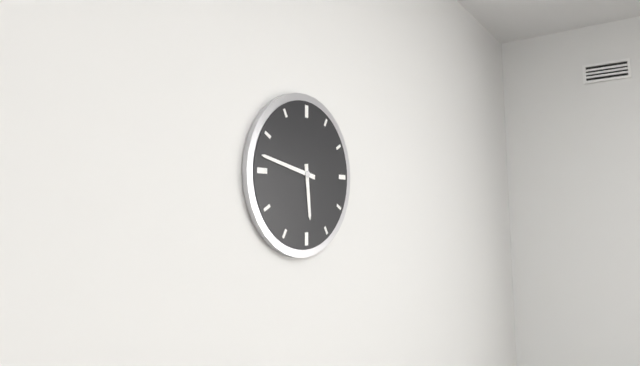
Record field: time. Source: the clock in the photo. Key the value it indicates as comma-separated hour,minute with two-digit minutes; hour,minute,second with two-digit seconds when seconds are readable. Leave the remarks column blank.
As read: 5,47
